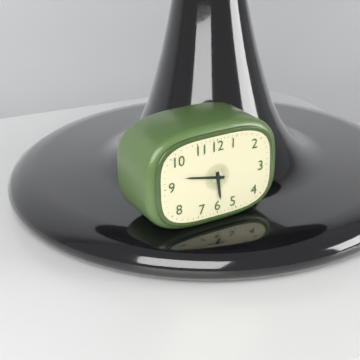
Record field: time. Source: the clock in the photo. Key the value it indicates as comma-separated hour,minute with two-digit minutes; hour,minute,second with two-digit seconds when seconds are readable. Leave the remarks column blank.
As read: 5,47
